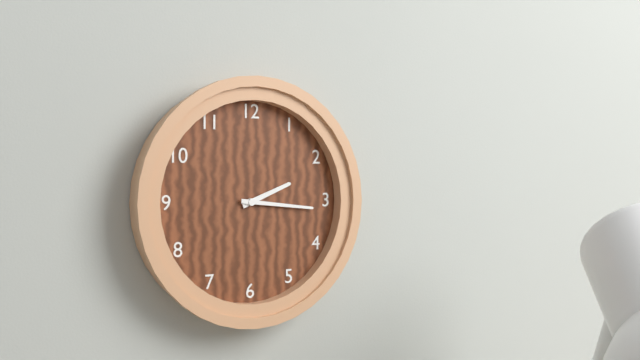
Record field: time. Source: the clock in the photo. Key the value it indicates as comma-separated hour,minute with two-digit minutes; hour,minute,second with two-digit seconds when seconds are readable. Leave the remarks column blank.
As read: 2,16
